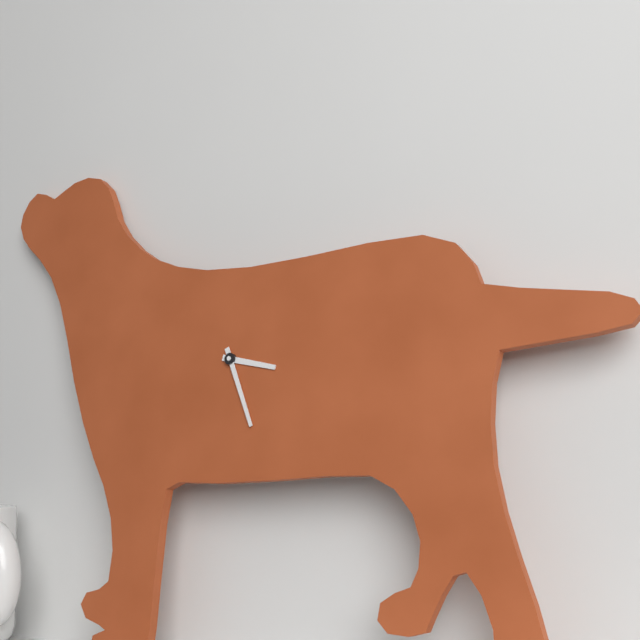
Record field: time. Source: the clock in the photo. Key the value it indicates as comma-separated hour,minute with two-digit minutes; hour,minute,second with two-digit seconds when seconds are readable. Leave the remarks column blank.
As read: 3,26
